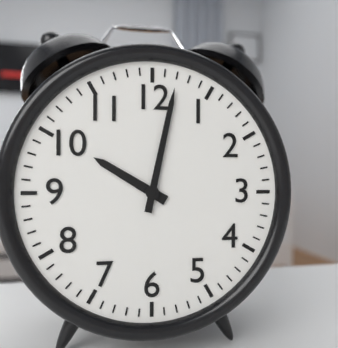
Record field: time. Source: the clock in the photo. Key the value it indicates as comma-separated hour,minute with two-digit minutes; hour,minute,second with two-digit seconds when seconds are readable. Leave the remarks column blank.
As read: 10,02
